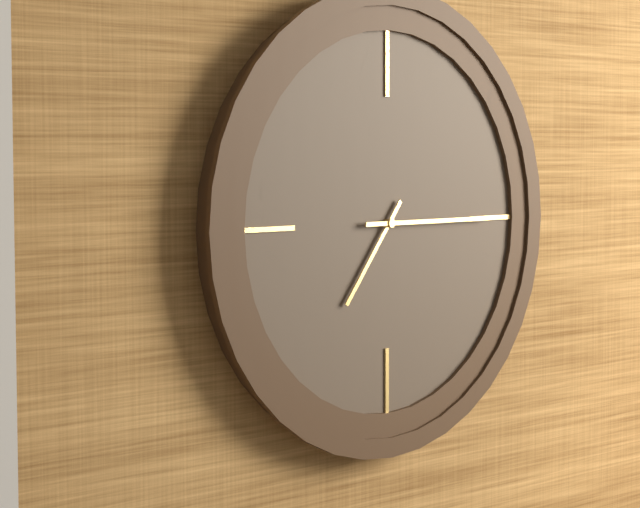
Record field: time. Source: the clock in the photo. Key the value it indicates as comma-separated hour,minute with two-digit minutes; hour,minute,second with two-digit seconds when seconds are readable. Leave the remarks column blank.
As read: 7,15
